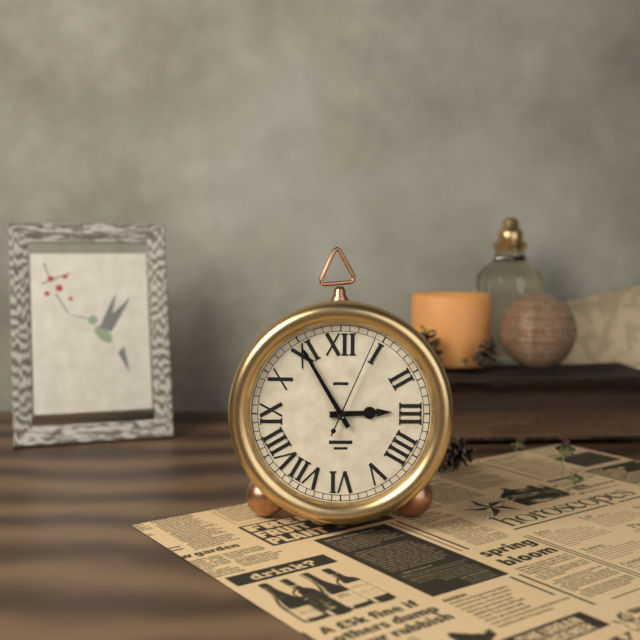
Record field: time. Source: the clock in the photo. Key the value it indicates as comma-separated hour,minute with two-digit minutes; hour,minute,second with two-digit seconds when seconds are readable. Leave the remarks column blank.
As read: 2,55,04
